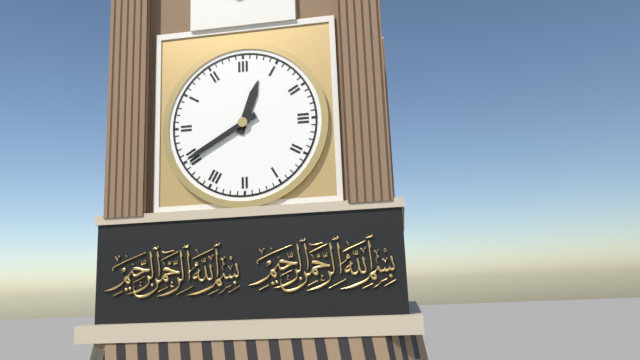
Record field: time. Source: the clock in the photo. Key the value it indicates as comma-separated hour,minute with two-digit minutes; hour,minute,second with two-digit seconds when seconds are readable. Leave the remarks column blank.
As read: 12,40
